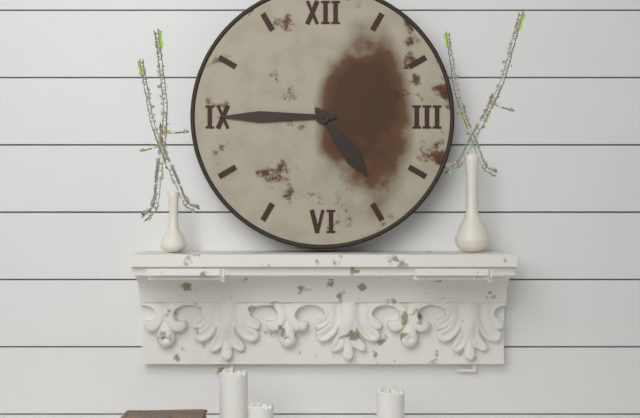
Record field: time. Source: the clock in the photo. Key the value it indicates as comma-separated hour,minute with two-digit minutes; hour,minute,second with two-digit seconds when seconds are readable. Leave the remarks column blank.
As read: 4,45
